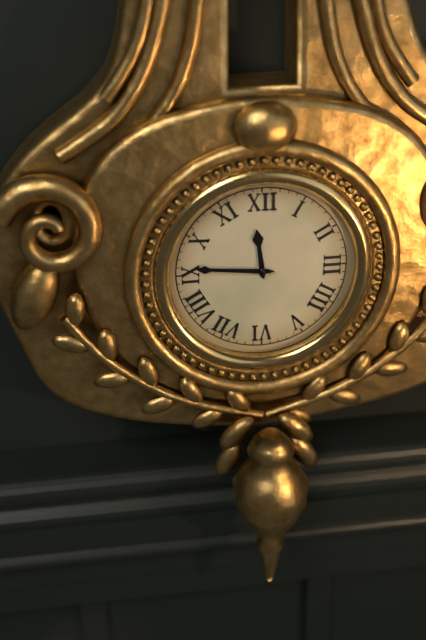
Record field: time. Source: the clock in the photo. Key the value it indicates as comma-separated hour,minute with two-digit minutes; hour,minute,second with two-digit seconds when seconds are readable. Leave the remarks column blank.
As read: 11,46
